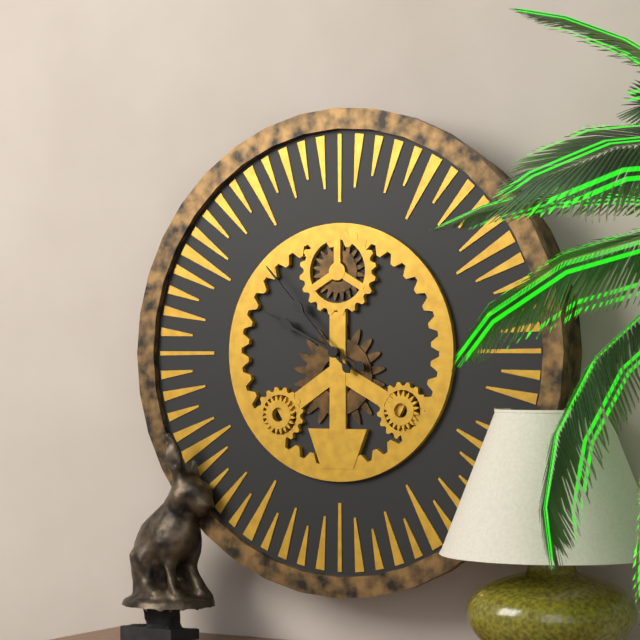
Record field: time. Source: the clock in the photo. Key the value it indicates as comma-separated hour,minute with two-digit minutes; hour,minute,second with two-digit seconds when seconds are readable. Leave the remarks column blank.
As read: 9,53
